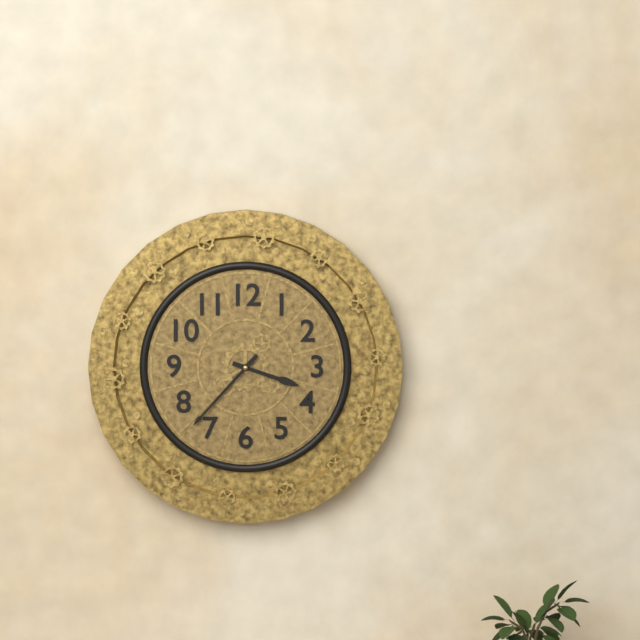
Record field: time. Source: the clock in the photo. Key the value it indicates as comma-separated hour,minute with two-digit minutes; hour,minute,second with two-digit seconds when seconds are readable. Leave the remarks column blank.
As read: 3,37
